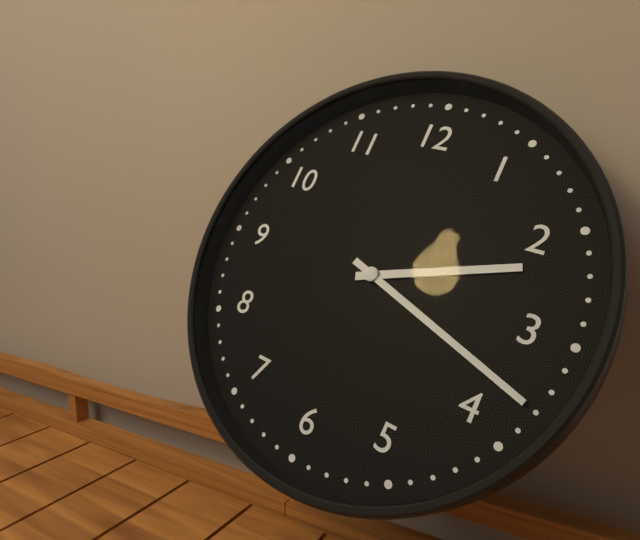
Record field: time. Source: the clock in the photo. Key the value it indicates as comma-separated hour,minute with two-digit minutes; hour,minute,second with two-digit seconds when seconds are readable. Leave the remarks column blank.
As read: 2,18
